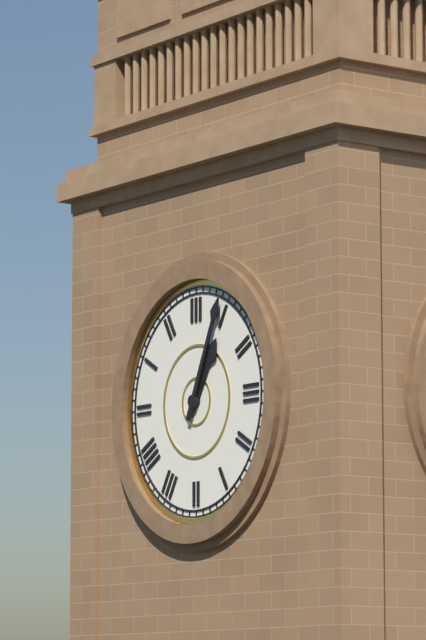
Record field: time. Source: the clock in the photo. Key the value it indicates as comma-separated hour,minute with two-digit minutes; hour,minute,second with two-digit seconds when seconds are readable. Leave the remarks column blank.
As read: 1,04
